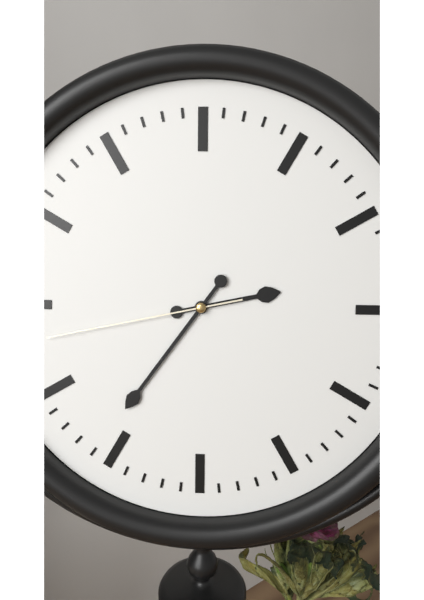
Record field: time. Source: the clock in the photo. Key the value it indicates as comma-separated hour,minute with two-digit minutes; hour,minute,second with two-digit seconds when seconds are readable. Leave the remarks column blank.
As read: 2,36,43
